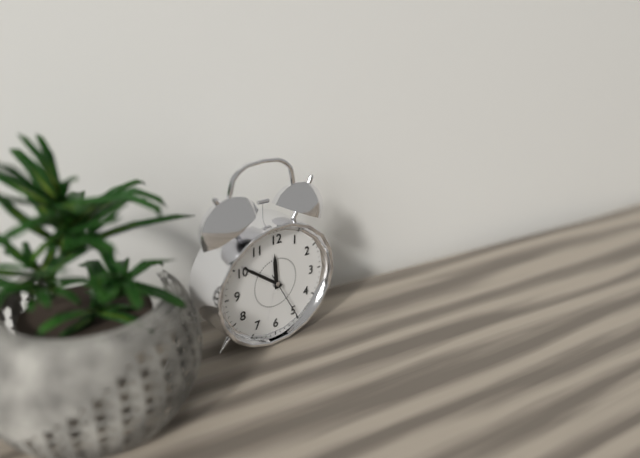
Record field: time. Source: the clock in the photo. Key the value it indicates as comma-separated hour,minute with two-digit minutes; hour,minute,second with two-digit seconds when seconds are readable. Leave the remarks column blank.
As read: 11,51
